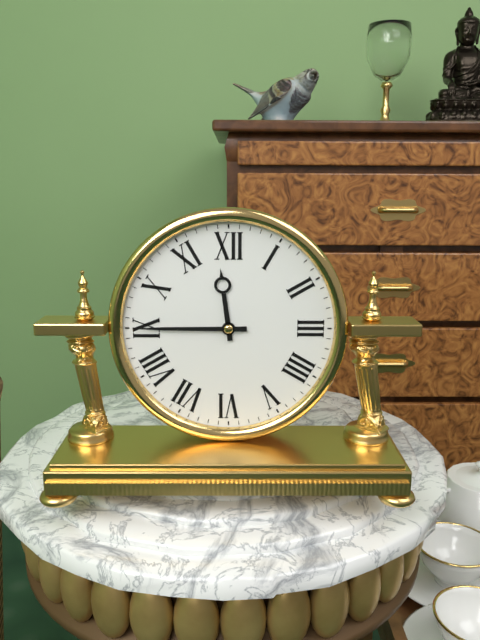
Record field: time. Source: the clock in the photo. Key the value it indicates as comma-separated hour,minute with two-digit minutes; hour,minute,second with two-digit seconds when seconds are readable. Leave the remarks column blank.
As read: 11,45
